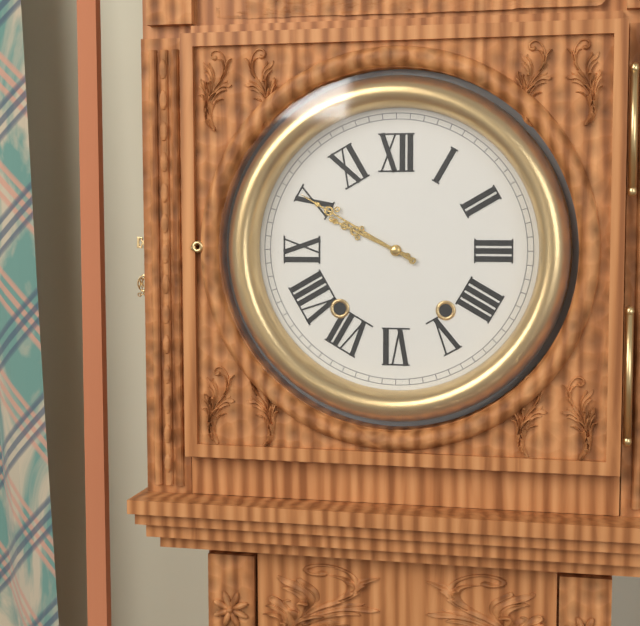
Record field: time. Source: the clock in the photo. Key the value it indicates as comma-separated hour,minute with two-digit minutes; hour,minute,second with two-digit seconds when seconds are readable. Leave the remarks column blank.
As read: 9,50
